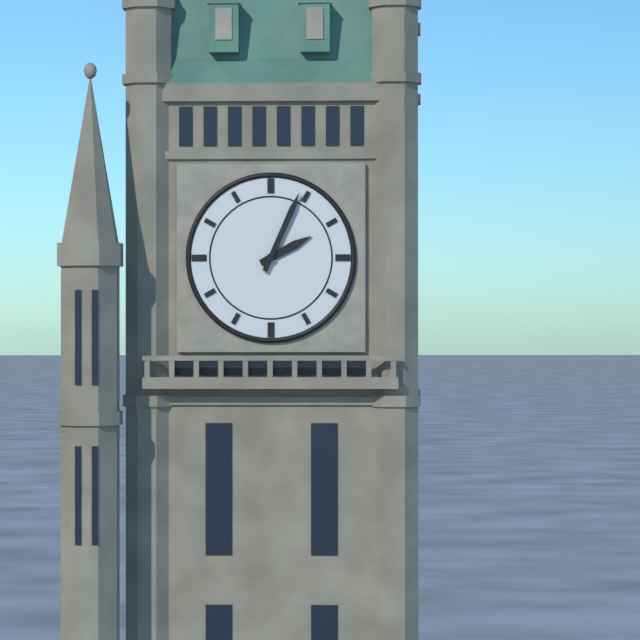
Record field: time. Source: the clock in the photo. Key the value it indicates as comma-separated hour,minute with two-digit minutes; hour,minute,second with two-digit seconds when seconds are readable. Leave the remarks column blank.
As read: 2,04
